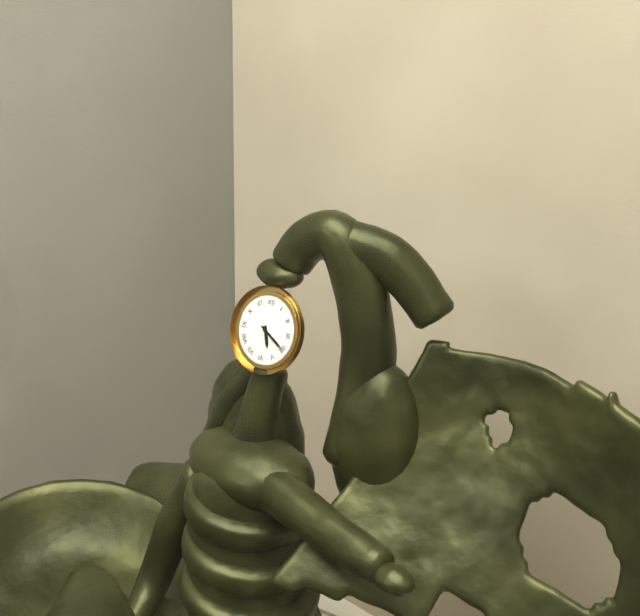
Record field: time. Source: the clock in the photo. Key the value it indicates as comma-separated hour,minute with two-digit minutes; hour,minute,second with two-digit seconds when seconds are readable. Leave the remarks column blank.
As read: 5,20
